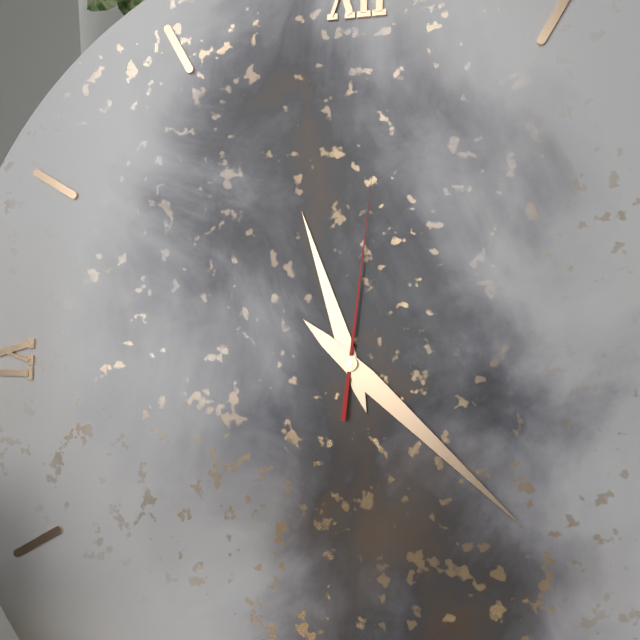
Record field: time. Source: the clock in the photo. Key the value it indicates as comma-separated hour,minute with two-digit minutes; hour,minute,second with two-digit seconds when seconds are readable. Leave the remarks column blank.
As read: 11,22,01
